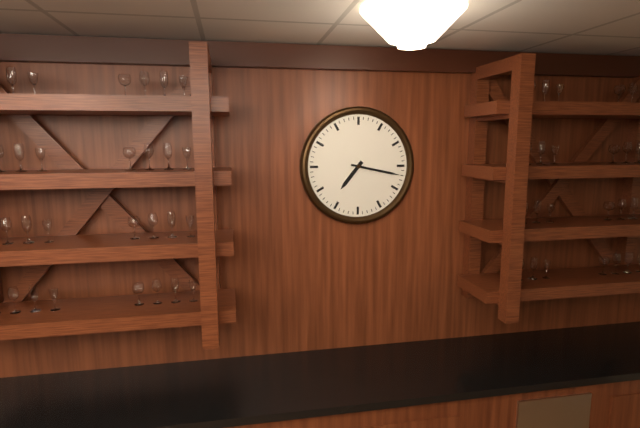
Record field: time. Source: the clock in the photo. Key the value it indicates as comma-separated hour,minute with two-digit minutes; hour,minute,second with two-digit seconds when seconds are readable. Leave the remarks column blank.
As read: 7,17
